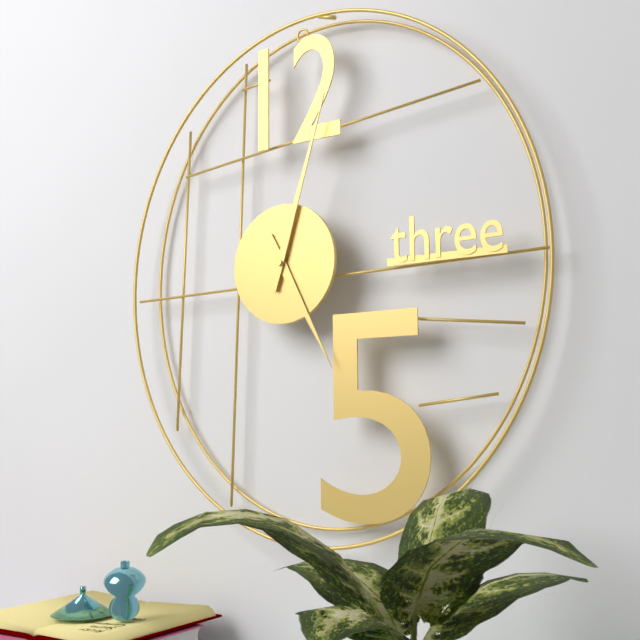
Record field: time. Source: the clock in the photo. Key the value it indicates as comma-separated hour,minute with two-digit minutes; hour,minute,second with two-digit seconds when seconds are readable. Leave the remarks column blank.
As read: 5,03
